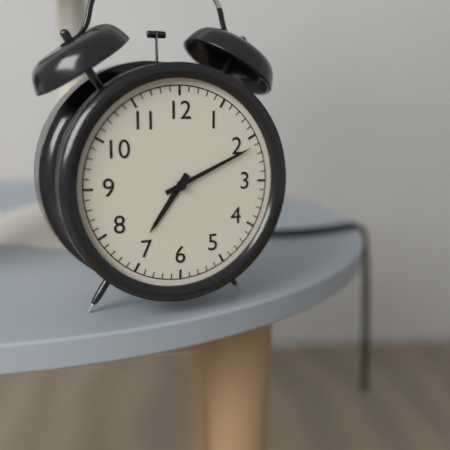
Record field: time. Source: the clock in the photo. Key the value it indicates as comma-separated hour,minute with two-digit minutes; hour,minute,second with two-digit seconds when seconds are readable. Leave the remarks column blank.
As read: 7,11
